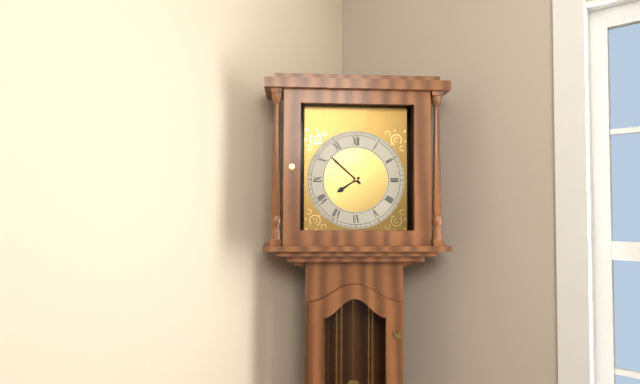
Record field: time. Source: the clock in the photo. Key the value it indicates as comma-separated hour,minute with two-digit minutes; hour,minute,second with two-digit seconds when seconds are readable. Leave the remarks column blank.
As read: 7,52
